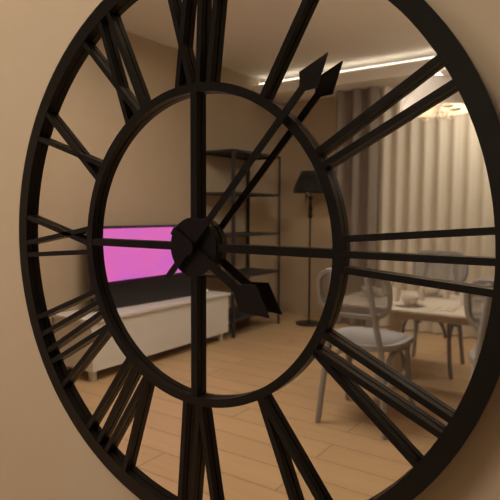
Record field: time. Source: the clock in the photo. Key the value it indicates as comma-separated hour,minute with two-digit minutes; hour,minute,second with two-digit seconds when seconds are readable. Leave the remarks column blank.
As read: 4,07
